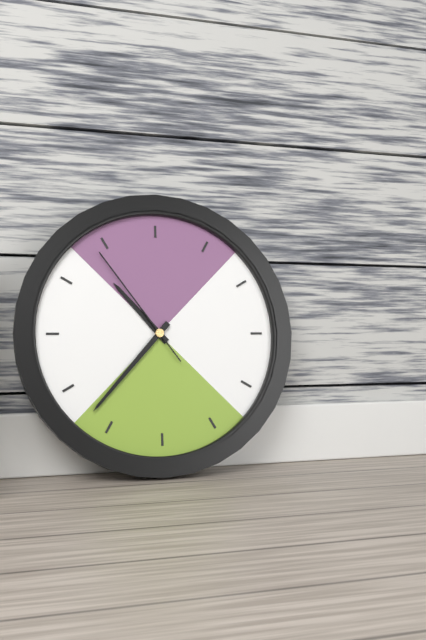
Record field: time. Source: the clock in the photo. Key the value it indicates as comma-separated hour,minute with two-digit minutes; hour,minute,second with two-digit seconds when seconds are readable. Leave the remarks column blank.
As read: 10,37,54
